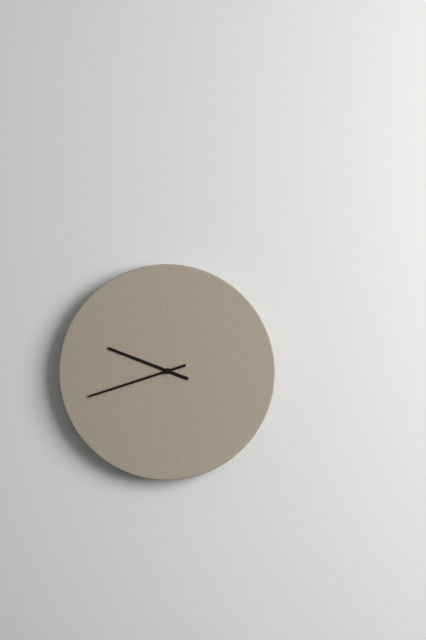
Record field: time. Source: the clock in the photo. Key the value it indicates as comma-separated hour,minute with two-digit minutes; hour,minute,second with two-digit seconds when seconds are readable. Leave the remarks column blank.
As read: 9,42
